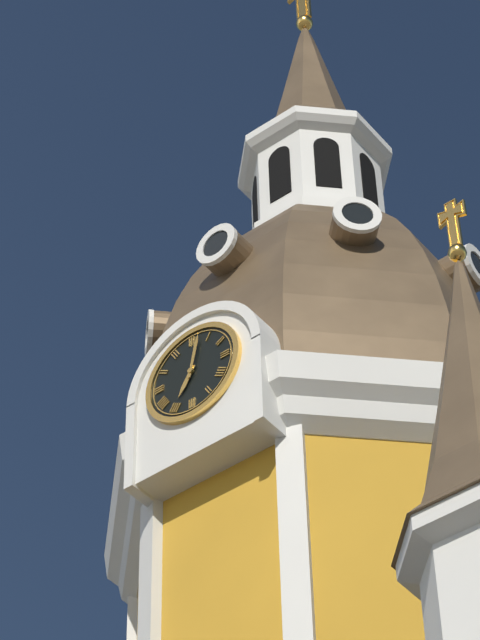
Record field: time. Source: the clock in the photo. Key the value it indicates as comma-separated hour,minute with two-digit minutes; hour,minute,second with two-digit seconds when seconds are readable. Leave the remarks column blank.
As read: 7,02
